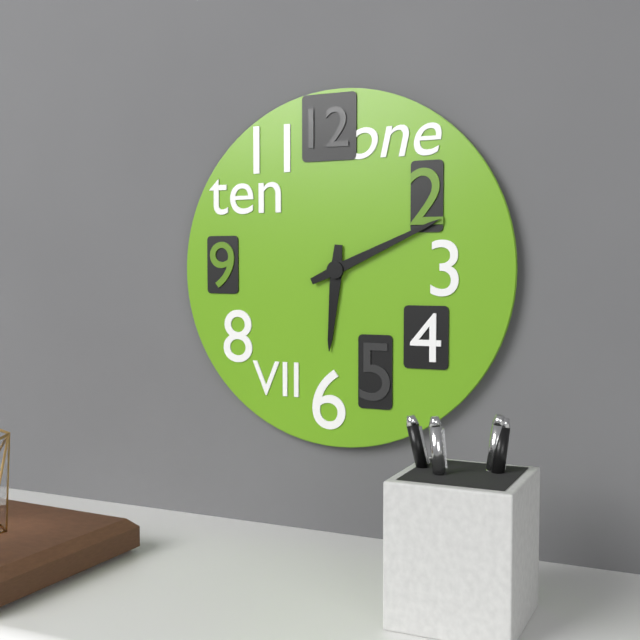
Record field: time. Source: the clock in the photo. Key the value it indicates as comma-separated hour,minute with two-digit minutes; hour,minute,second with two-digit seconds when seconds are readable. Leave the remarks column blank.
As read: 6,11
